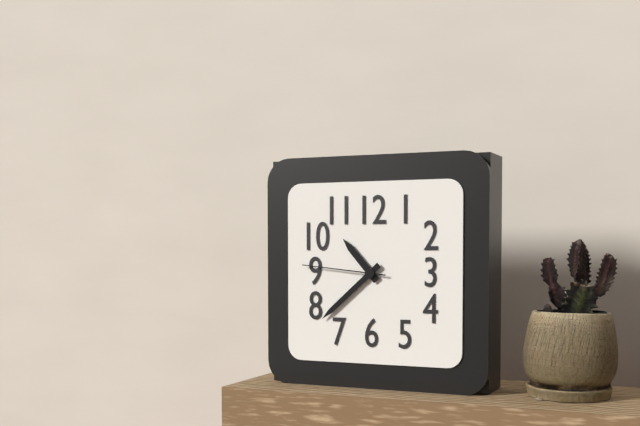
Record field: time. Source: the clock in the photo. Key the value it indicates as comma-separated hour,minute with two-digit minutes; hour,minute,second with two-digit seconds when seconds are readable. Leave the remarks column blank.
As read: 10,38,46
